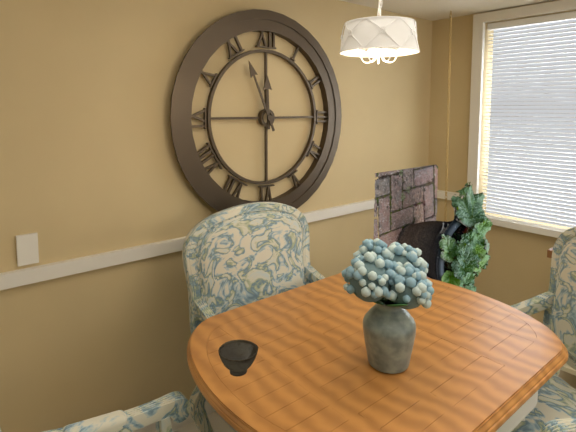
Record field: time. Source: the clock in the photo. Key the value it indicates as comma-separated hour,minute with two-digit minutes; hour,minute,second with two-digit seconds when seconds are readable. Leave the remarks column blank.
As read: 11,56
